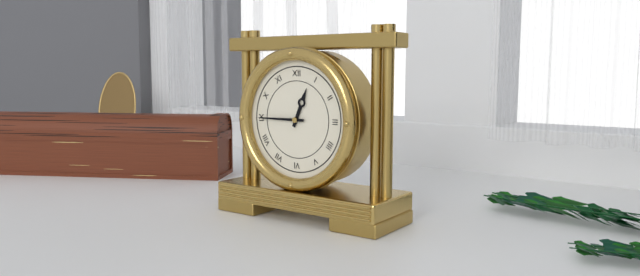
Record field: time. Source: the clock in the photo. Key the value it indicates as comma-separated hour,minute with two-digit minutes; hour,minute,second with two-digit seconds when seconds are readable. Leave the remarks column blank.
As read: 12,45
